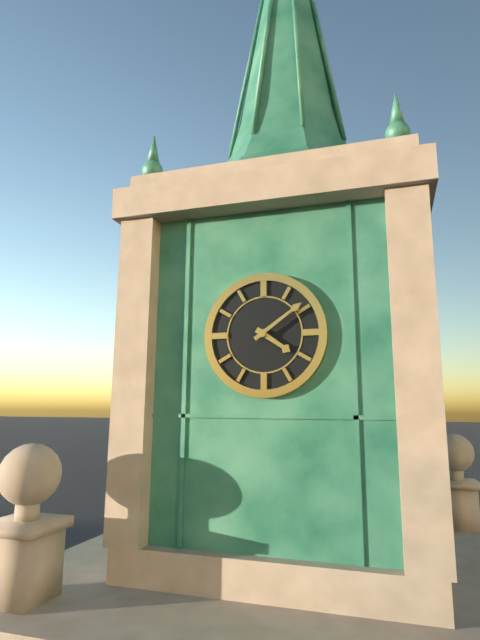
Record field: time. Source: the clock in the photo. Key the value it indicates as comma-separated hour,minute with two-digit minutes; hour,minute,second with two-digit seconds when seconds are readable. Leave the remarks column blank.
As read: 4,09
